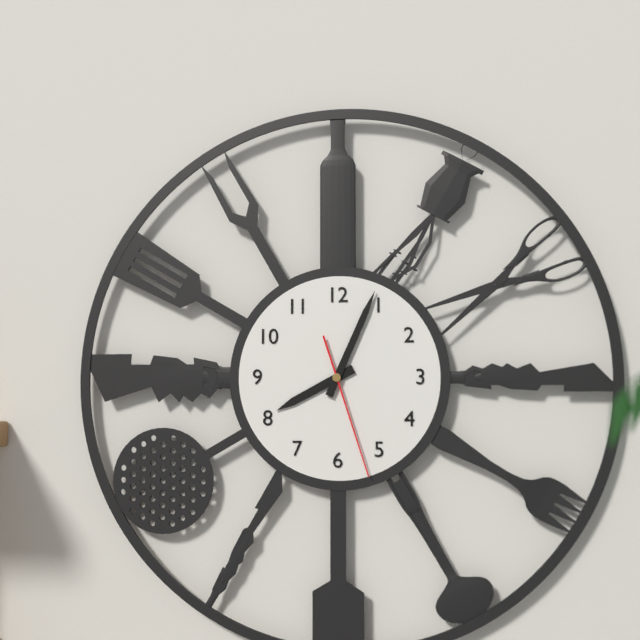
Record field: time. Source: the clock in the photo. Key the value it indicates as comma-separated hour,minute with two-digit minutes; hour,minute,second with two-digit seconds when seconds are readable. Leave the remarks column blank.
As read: 8,04,27
